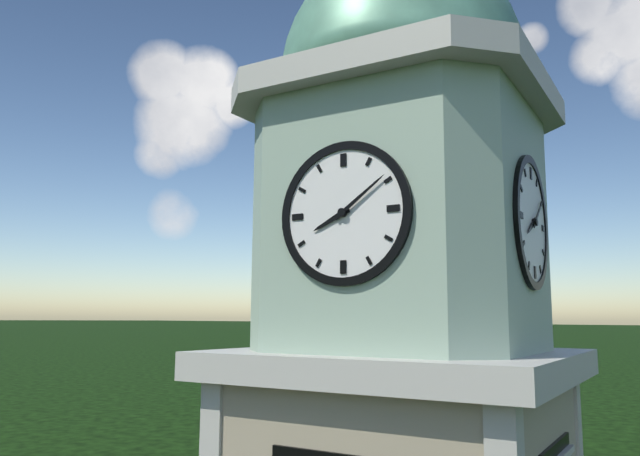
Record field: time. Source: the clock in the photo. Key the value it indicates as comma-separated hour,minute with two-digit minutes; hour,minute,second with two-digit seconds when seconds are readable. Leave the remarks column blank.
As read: 8,09
